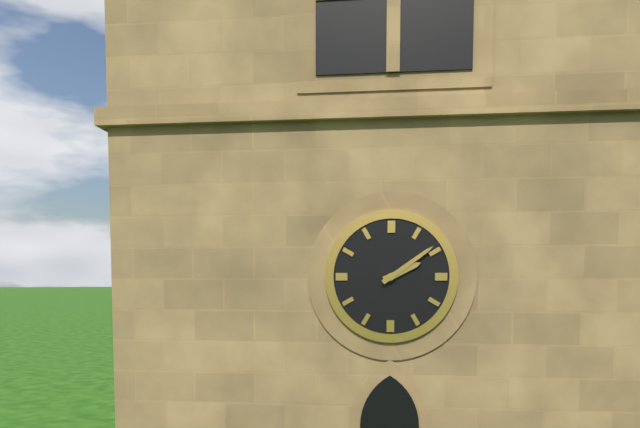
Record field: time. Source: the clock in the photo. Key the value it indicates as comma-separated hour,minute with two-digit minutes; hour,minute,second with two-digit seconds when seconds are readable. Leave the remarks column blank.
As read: 2,09
